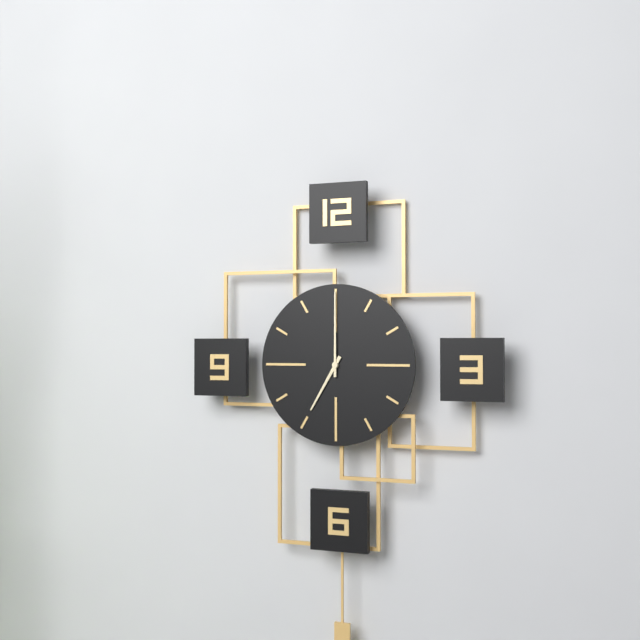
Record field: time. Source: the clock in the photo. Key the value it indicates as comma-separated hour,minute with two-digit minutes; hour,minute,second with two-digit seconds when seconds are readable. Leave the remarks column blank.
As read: 7,00
